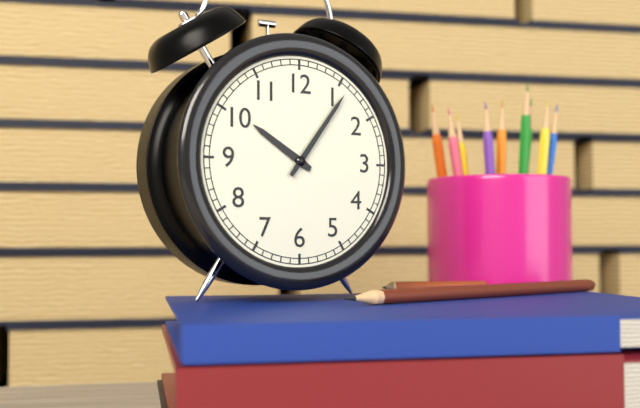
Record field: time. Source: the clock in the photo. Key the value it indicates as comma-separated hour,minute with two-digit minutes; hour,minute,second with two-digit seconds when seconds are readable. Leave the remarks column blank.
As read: 10,06
